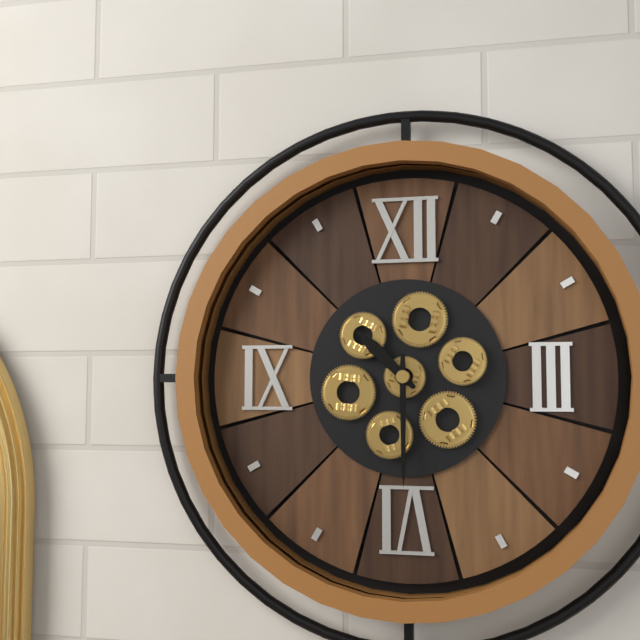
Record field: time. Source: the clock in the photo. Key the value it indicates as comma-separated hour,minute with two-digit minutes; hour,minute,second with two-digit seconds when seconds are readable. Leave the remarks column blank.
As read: 10,30
